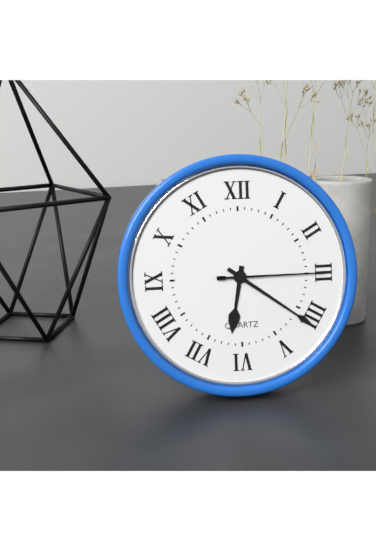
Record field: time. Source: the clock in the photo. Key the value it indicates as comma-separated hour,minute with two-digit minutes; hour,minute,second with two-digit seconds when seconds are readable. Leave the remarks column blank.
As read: 6,21,15
